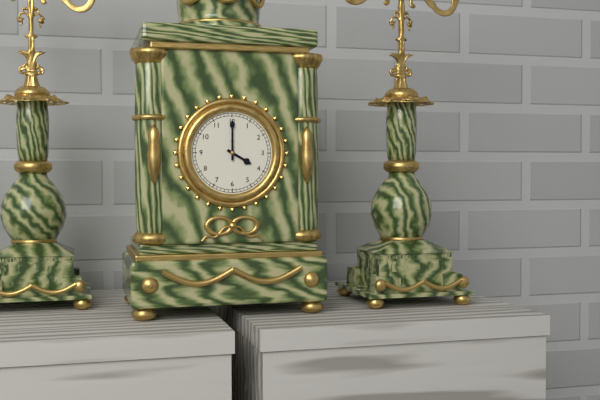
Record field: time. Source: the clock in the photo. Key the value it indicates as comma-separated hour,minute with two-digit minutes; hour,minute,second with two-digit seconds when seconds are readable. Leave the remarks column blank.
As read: 4,00
